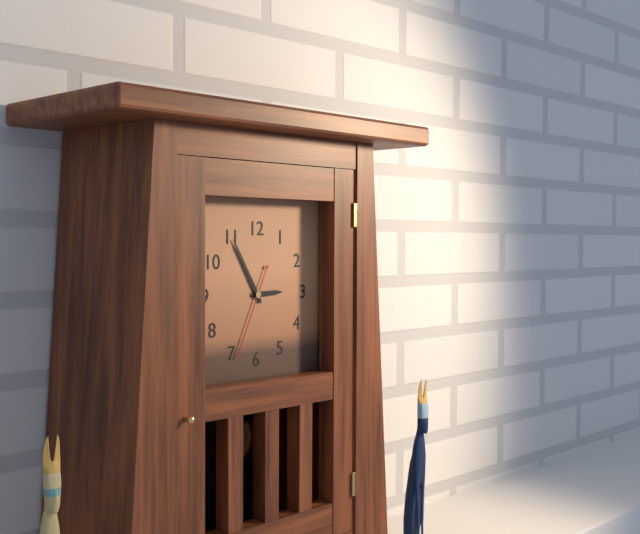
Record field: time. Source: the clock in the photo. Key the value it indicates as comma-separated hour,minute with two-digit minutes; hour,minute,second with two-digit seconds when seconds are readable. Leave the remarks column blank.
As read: 2,55,34
